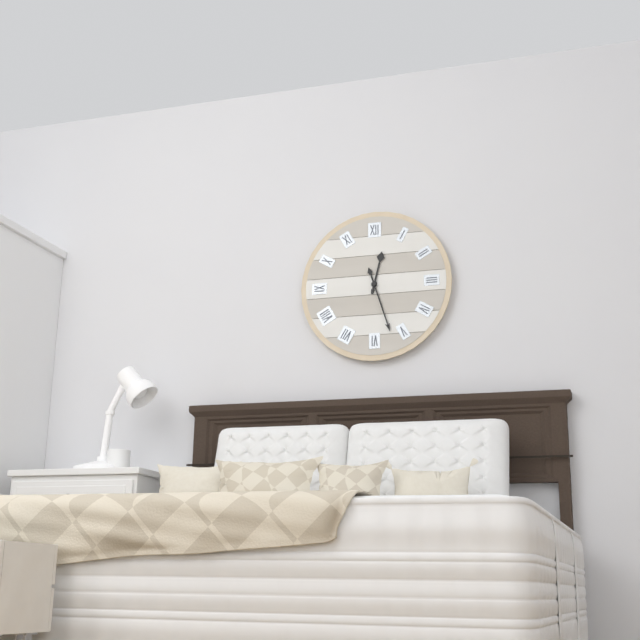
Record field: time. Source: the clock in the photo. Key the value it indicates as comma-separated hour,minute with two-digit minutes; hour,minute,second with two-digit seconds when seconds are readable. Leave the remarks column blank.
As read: 12,27
